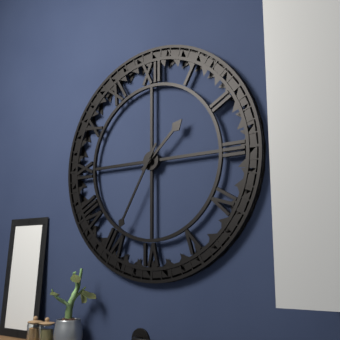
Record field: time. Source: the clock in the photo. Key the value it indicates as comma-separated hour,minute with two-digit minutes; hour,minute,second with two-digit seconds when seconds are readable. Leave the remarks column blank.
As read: 1,35
